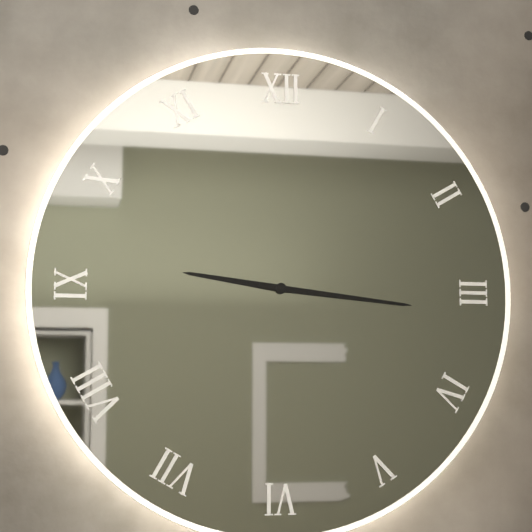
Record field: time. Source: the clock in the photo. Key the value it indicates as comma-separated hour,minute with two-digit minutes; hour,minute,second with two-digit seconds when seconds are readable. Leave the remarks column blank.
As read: 9,16
